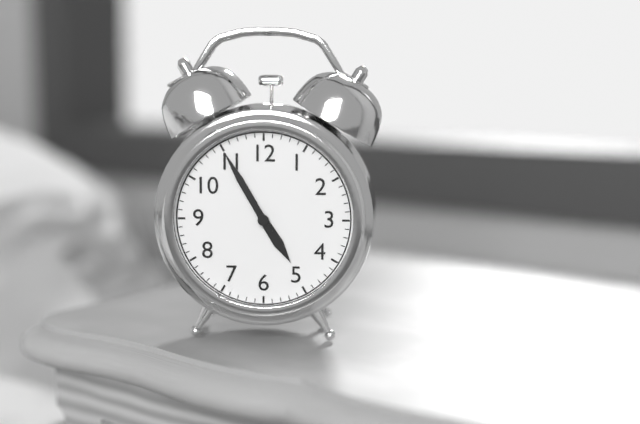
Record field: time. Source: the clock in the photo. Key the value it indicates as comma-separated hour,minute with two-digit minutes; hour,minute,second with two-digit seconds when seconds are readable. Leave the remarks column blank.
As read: 4,55
